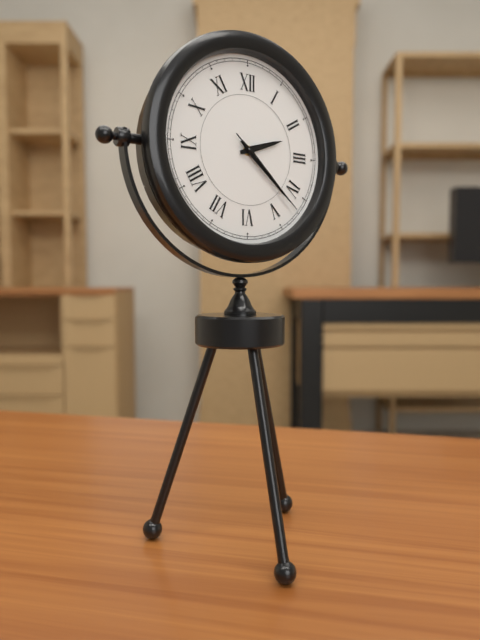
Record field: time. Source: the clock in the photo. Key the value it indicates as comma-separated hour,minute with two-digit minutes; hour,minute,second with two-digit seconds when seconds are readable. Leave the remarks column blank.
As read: 2,22,22
